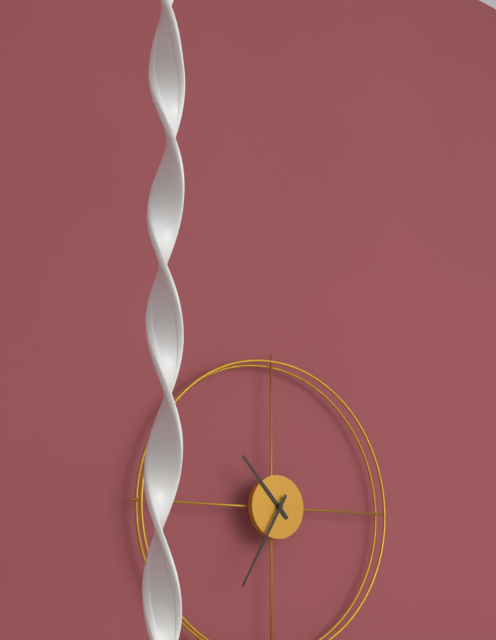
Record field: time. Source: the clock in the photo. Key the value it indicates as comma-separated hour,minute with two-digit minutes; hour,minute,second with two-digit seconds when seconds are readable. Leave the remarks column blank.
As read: 10,35
